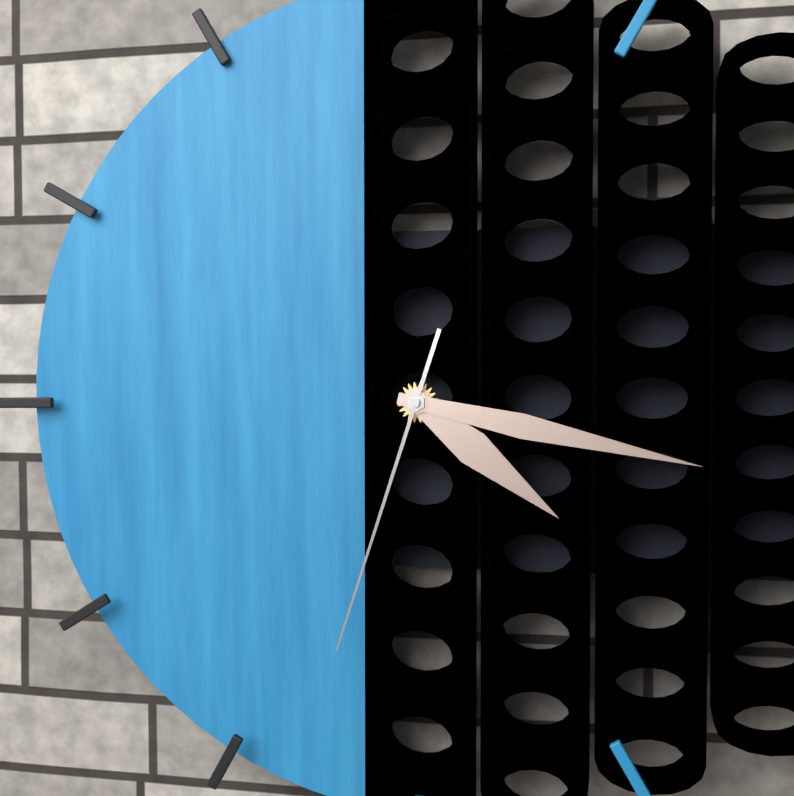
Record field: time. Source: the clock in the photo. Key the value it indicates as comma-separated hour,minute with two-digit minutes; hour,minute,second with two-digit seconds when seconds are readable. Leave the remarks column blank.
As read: 4,17,33
